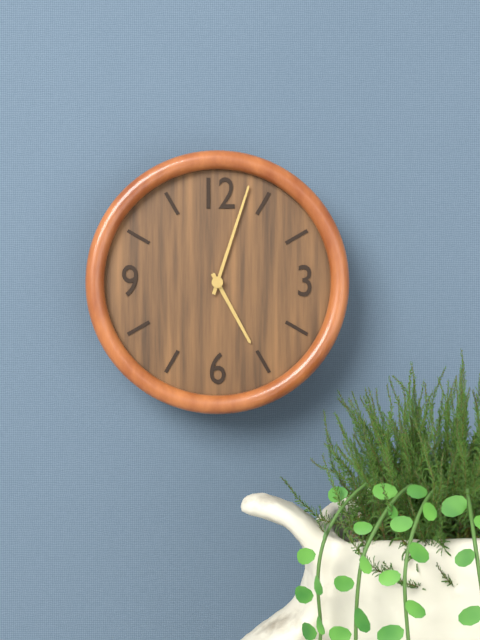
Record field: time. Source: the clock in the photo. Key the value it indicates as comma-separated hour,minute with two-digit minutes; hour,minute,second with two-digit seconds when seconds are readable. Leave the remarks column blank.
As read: 5,03
